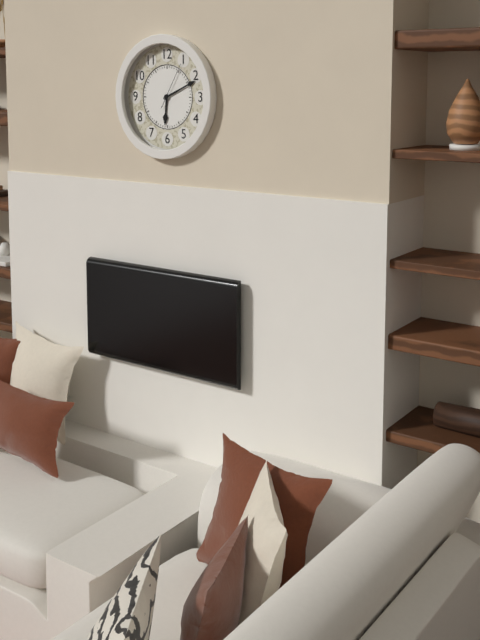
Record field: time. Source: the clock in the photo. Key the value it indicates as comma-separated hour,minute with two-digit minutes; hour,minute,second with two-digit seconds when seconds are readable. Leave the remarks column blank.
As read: 6,11
